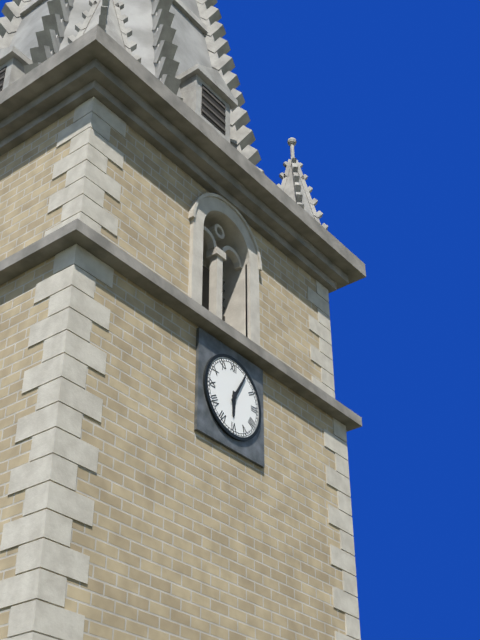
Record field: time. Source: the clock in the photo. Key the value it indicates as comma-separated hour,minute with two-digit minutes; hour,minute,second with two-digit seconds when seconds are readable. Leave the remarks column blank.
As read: 6,05
